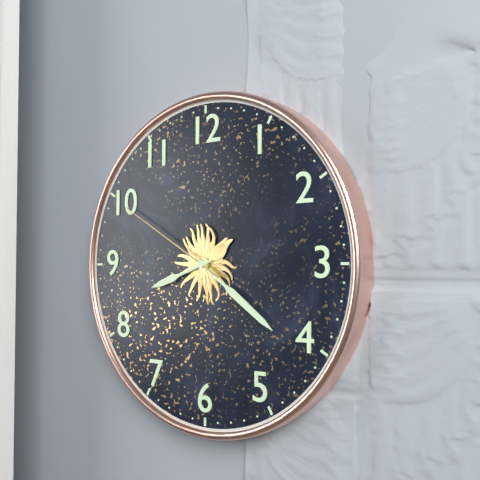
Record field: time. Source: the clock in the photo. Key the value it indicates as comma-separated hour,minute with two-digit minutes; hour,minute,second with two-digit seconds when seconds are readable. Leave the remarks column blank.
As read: 8,21,50
